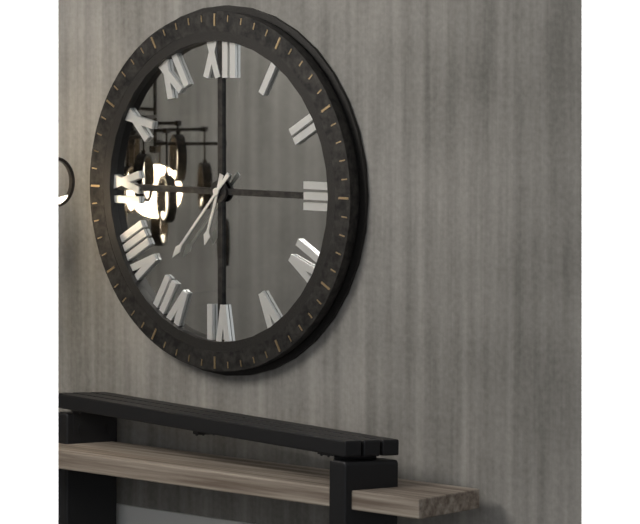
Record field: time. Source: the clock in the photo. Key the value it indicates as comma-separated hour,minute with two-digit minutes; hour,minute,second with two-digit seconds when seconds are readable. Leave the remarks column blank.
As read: 6,37
